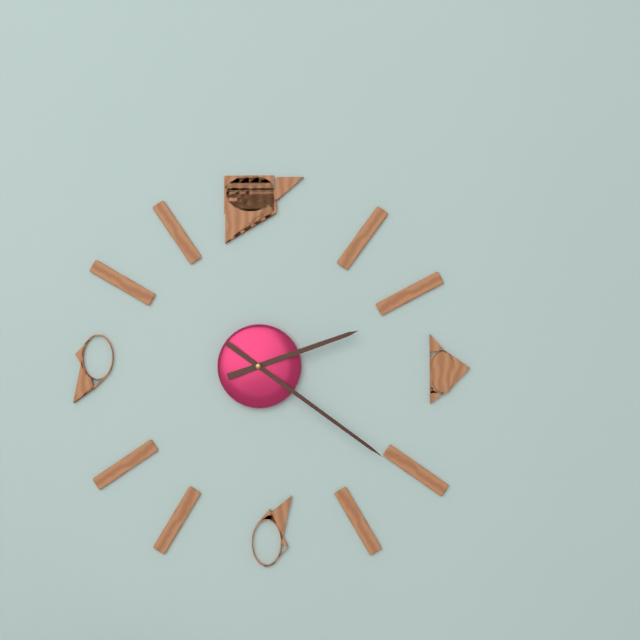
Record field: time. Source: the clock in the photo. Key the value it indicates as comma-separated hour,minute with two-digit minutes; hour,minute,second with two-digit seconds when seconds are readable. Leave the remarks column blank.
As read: 2,21
